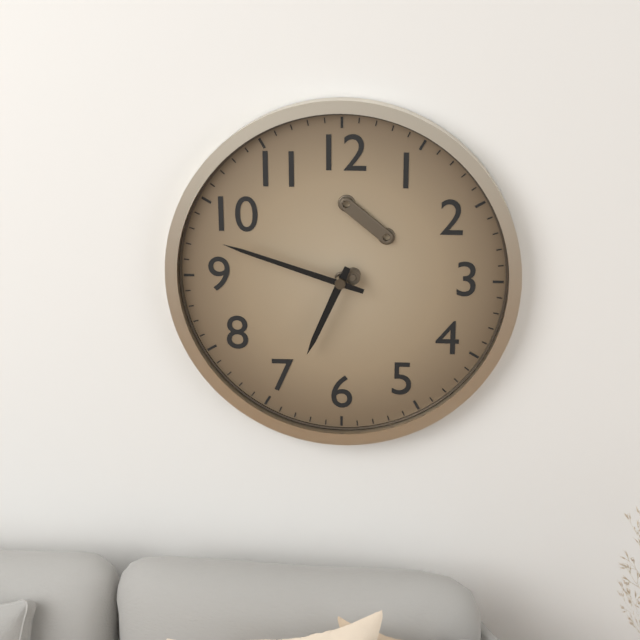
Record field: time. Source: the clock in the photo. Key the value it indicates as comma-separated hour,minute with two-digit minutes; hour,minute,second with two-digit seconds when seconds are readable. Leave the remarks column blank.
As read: 6,48
